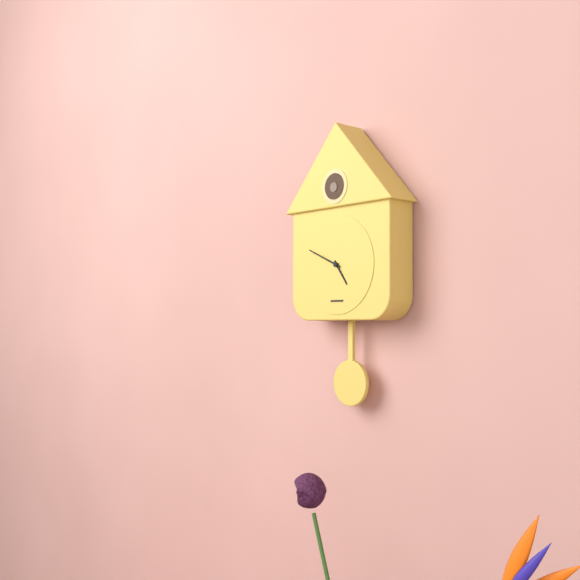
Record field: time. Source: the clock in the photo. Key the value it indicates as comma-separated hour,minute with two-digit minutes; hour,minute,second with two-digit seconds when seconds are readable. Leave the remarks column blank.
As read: 4,49
